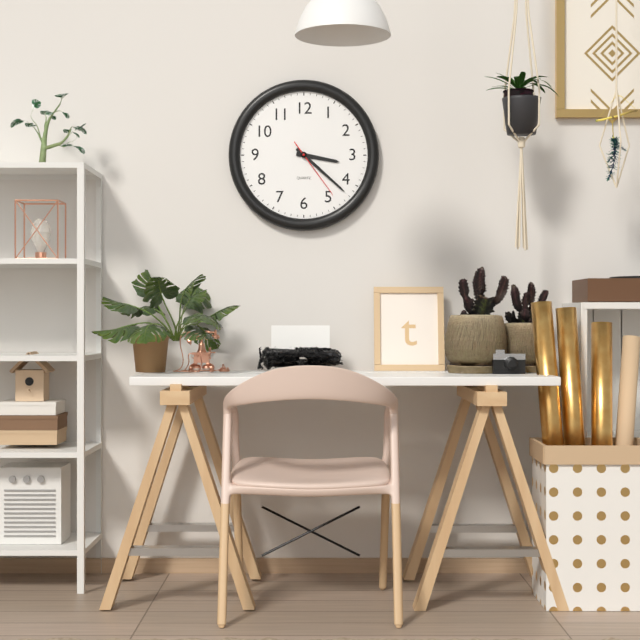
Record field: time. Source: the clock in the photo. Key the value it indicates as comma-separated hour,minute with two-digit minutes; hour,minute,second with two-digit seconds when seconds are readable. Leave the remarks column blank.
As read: 3,22,24
